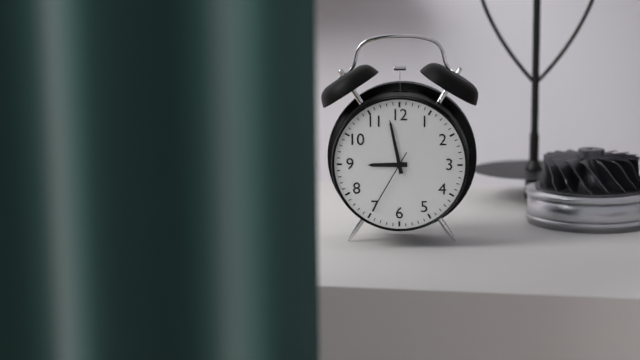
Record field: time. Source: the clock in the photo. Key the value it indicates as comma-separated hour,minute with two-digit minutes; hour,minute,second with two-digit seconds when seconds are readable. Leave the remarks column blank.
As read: 8,58,35
